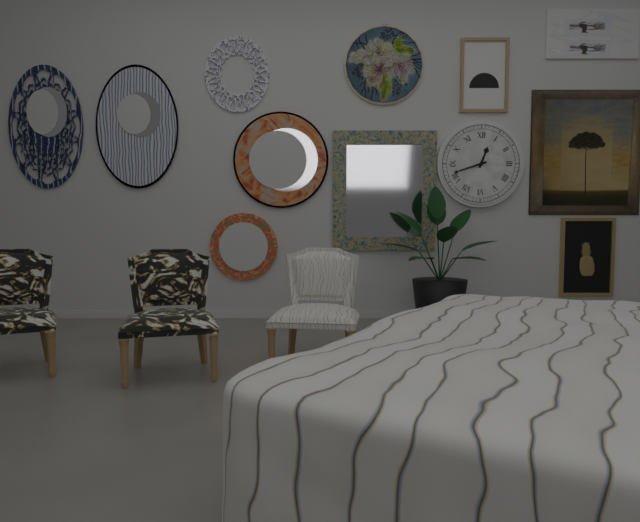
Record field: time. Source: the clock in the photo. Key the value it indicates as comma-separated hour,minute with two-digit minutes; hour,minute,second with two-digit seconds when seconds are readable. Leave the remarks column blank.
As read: 12,42
